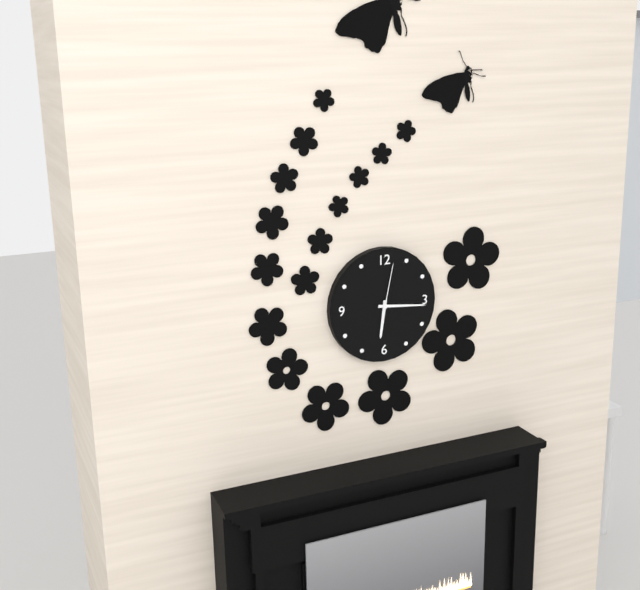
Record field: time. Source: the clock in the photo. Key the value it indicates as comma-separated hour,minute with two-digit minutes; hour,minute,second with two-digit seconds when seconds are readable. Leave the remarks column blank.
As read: 6,16,02
